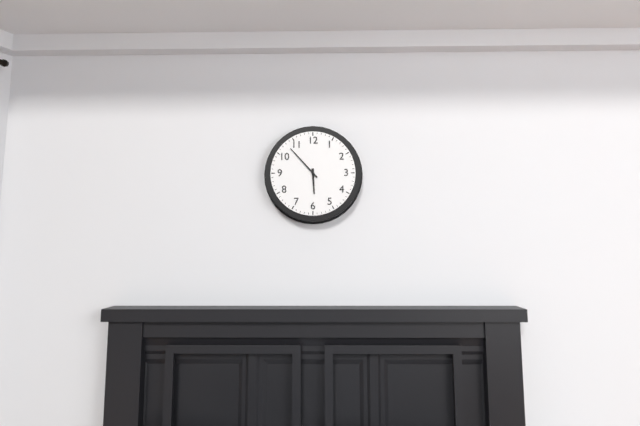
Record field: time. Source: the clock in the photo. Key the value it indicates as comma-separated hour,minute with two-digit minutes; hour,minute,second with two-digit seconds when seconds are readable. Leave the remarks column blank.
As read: 5,53
